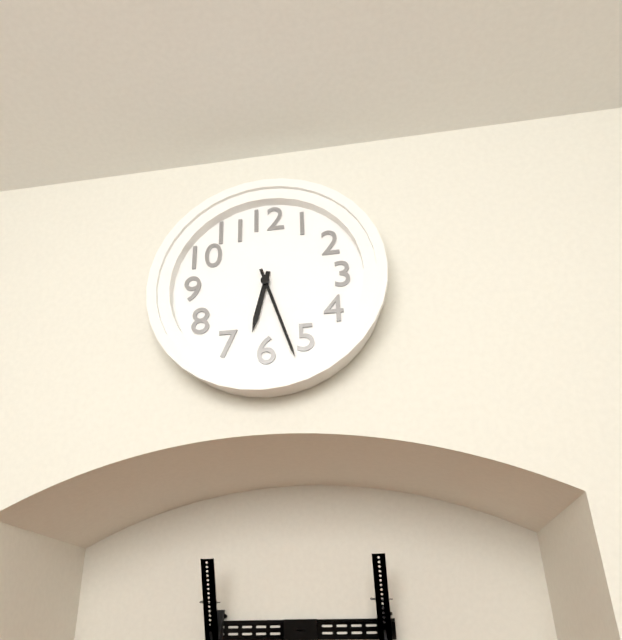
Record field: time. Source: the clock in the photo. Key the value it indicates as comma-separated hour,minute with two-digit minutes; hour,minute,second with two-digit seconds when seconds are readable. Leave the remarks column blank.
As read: 6,27
